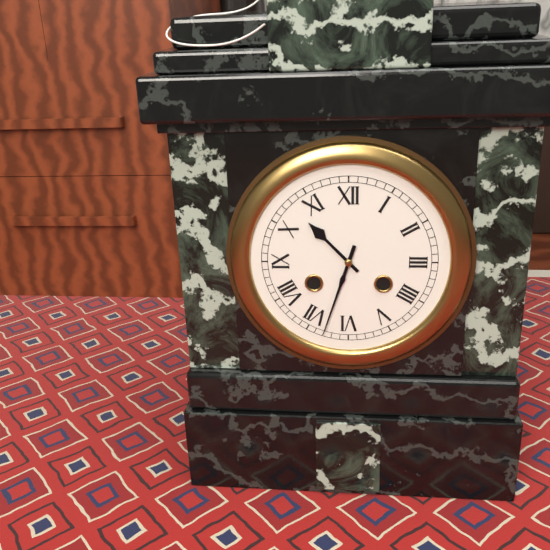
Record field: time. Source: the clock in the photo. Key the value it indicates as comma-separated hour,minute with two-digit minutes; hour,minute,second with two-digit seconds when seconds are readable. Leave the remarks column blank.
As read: 10,33
